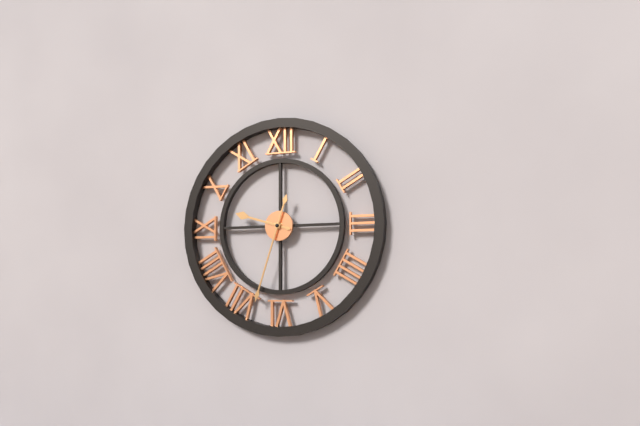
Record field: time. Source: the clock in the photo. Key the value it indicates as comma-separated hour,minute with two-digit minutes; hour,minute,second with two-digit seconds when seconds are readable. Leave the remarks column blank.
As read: 9,33
